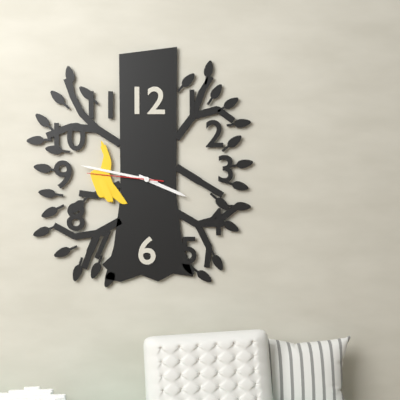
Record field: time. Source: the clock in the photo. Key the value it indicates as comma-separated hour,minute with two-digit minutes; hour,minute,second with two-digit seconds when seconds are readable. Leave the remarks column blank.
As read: 3,47,46
